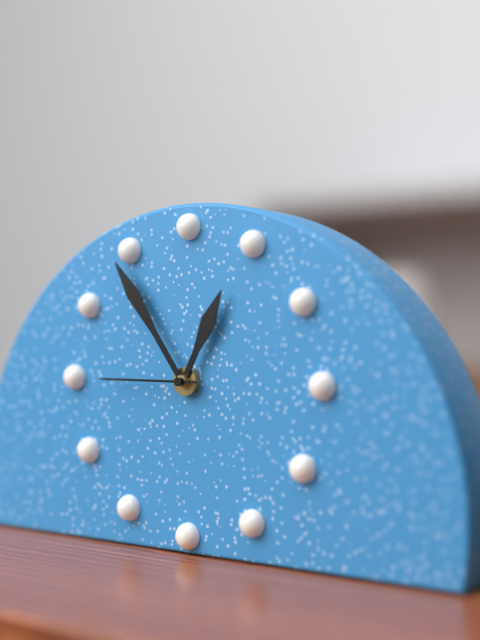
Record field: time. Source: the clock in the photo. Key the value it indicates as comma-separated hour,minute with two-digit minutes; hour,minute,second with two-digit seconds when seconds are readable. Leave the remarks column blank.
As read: 12,54,45
